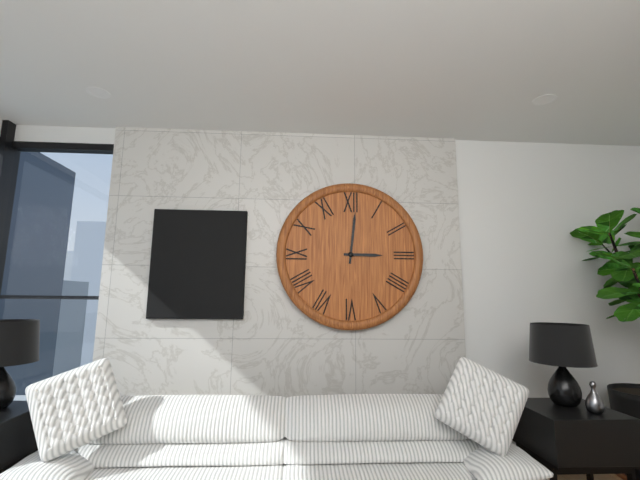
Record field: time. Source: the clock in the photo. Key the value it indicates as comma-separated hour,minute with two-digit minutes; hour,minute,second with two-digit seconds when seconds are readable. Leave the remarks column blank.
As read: 3,01
